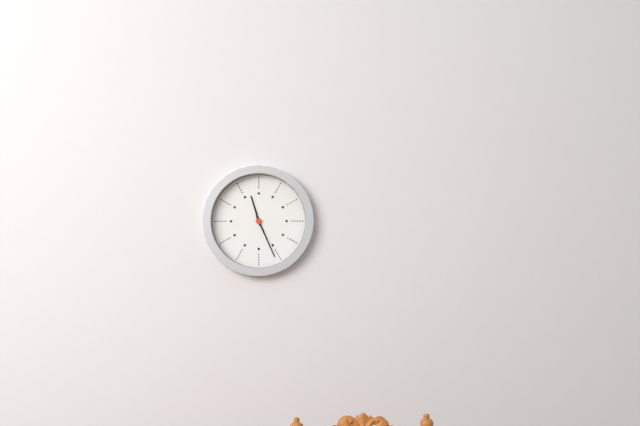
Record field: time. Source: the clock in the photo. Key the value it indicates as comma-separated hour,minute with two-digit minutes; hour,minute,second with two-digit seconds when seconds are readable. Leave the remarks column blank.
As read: 11,26
